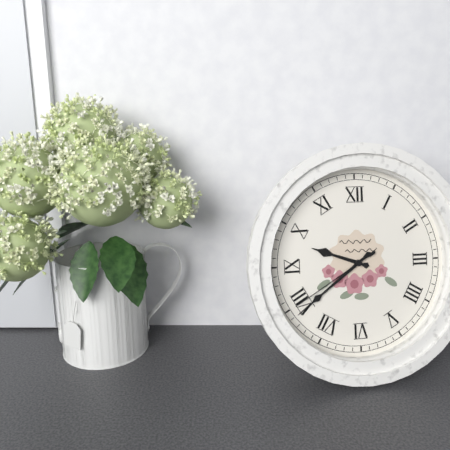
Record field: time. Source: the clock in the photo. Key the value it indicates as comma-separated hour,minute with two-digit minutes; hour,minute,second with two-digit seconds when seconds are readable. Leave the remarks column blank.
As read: 9,39,40
